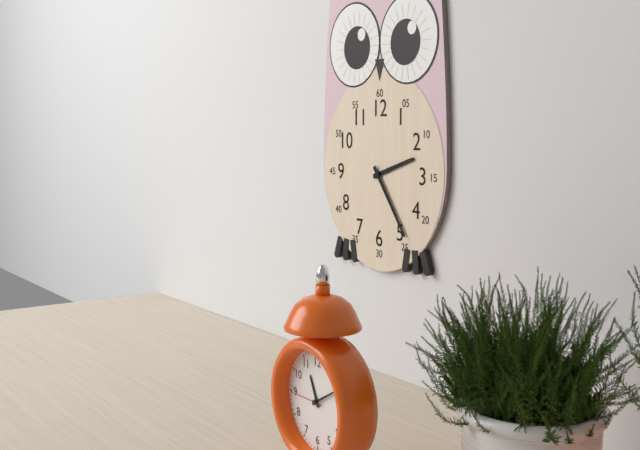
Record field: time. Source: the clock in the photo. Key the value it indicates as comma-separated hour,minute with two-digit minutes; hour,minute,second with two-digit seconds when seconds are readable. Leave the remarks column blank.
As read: 2,24
